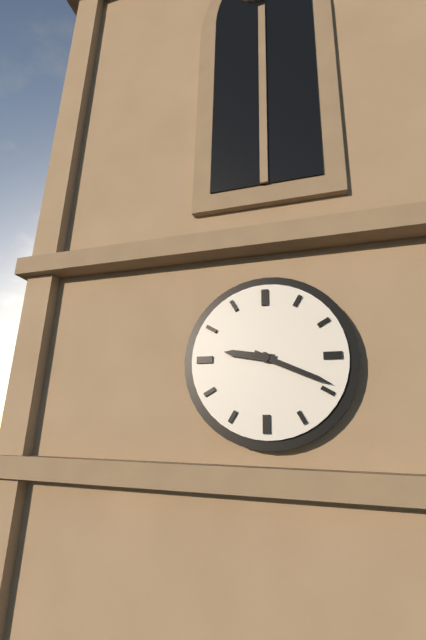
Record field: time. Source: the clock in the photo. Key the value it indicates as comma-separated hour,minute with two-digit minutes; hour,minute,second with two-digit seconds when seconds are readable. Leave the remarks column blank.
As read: 9,19
